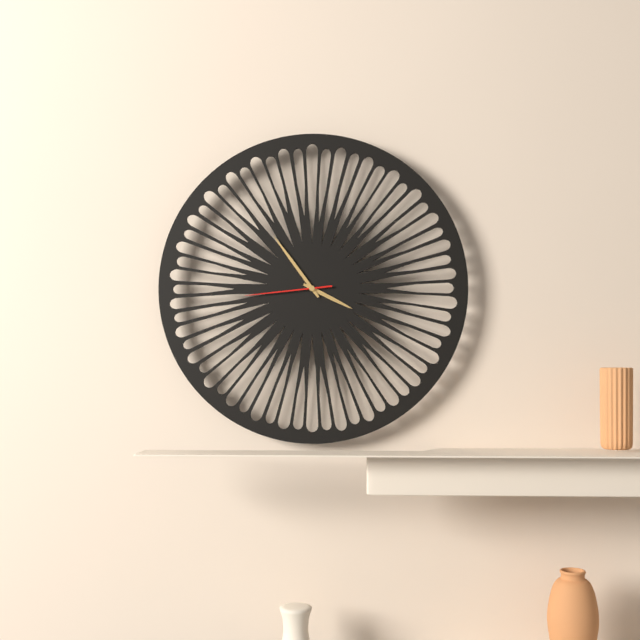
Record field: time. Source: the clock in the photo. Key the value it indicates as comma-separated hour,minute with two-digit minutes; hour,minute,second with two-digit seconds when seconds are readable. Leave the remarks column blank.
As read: 3,54,44
